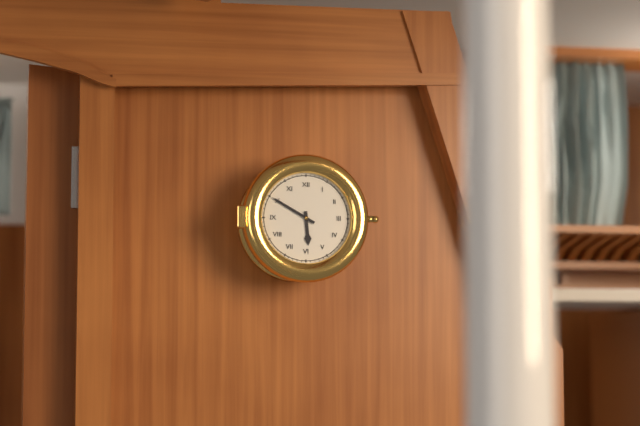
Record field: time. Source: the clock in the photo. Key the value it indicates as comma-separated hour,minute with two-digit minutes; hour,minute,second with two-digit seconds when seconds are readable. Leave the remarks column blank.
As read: 5,50
